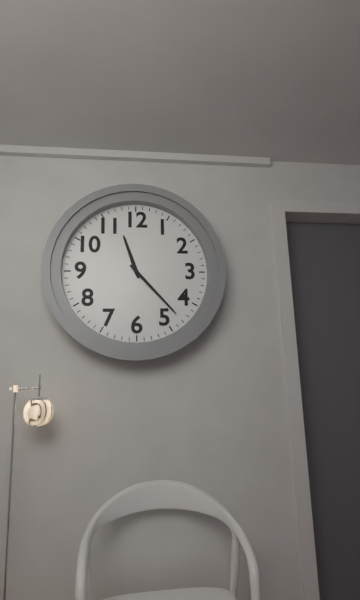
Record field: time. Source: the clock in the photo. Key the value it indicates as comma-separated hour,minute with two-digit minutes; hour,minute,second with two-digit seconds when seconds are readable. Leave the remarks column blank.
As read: 11,23
